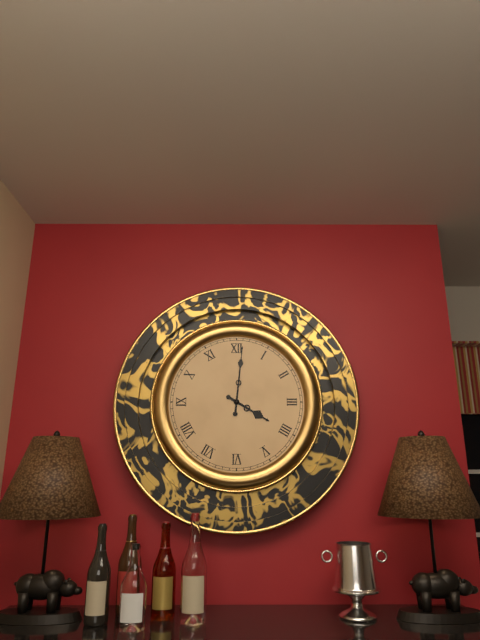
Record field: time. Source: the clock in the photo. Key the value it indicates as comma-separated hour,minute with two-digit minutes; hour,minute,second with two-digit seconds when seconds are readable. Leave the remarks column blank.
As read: 4,01
